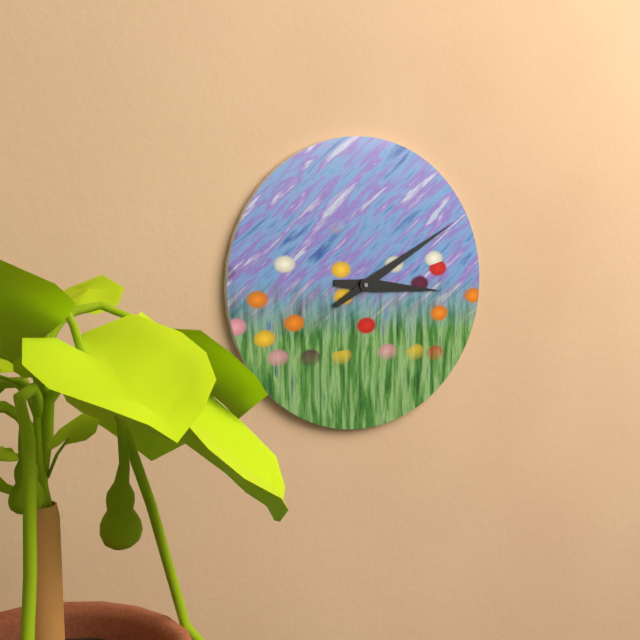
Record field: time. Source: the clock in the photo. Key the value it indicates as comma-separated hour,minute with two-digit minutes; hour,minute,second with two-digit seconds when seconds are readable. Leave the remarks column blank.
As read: 3,10
